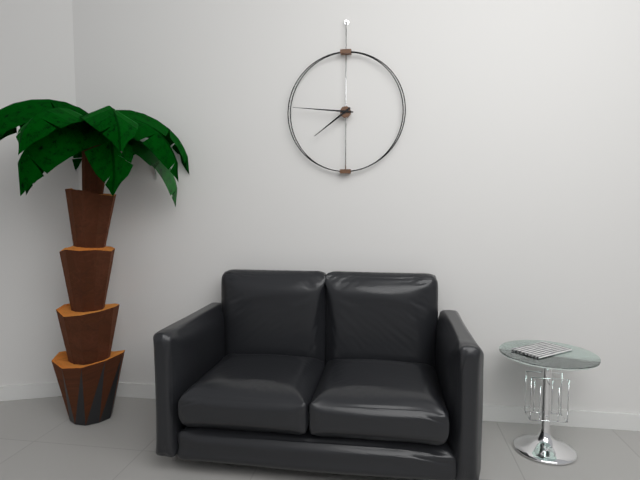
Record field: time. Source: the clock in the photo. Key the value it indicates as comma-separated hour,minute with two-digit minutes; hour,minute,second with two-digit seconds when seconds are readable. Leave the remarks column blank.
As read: 7,46
